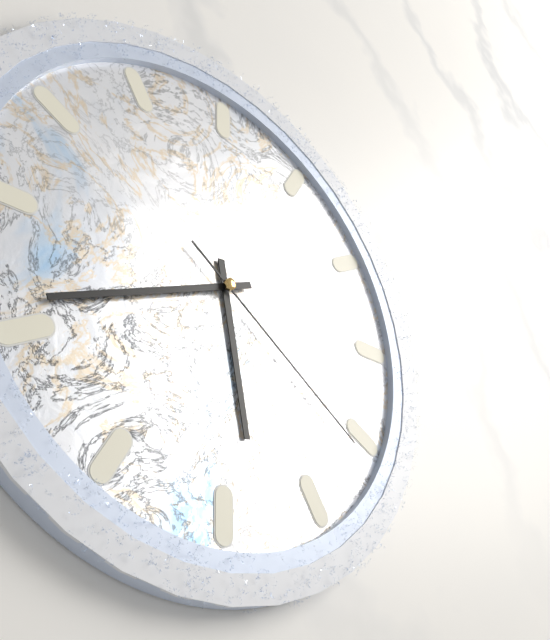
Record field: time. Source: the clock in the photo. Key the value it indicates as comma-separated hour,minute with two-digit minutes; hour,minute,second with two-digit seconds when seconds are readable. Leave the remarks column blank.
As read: 5,41,21
